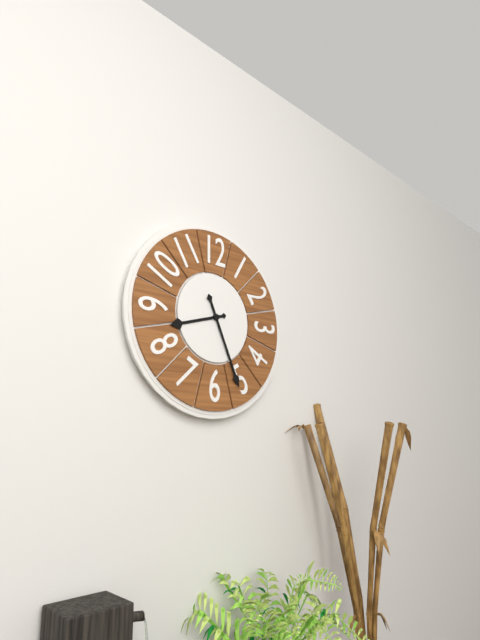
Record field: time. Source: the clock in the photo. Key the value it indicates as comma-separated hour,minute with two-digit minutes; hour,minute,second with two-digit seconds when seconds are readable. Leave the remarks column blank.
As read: 8,26
